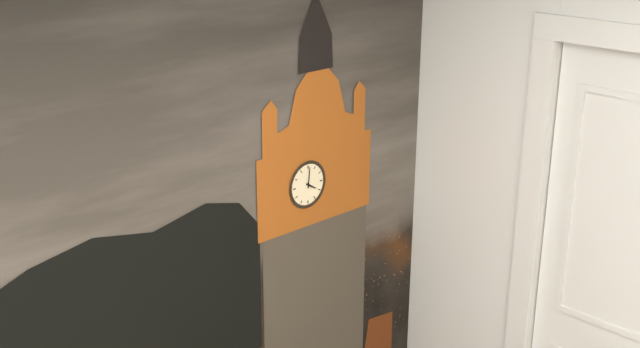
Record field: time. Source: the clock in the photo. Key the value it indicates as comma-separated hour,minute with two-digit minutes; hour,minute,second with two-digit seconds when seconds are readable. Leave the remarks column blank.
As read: 4,01
